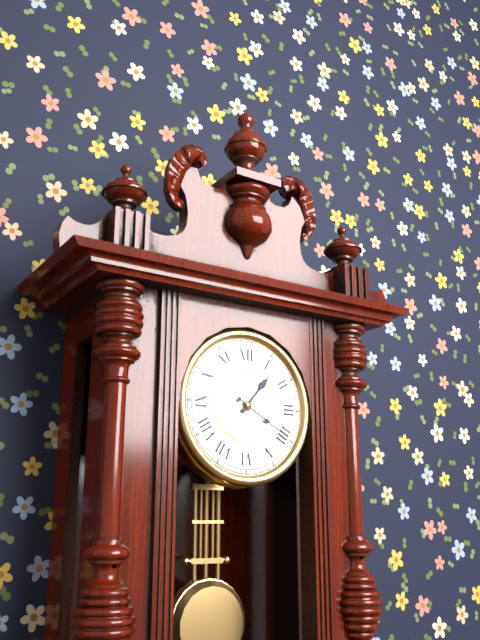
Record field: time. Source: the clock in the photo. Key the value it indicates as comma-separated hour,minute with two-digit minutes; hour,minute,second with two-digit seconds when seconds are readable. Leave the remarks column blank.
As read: 1,20
